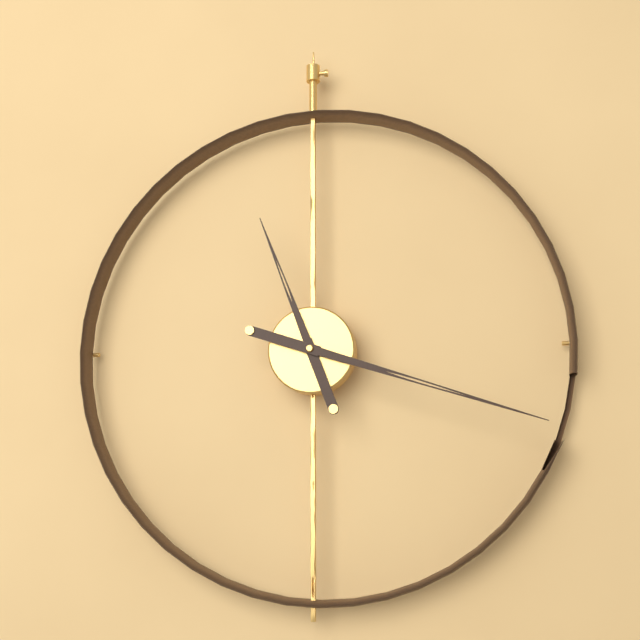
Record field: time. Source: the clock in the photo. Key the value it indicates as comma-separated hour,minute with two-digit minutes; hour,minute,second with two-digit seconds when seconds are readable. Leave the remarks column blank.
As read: 11,18
